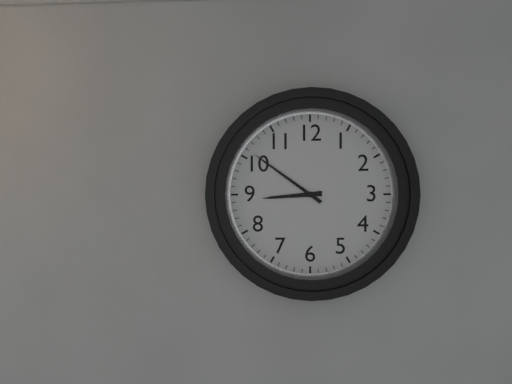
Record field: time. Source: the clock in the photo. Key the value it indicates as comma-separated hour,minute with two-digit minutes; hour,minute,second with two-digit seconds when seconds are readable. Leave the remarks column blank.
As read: 8,51
